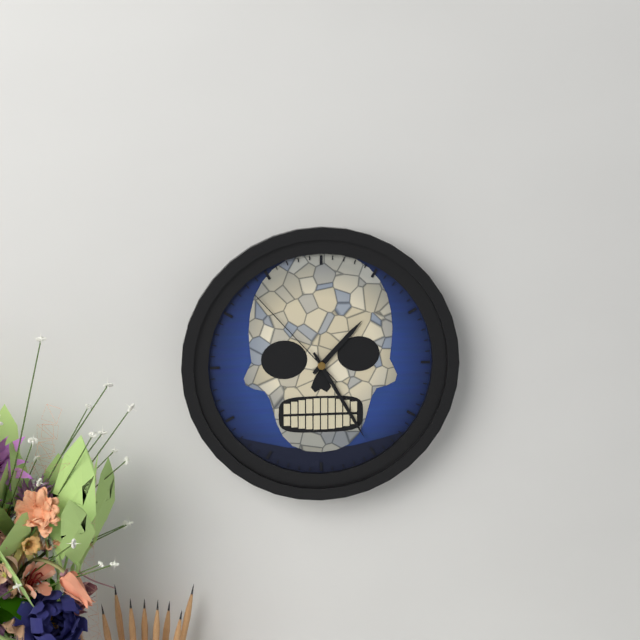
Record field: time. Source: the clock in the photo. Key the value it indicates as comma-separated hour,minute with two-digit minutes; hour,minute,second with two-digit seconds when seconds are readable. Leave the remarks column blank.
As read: 1,25,53
